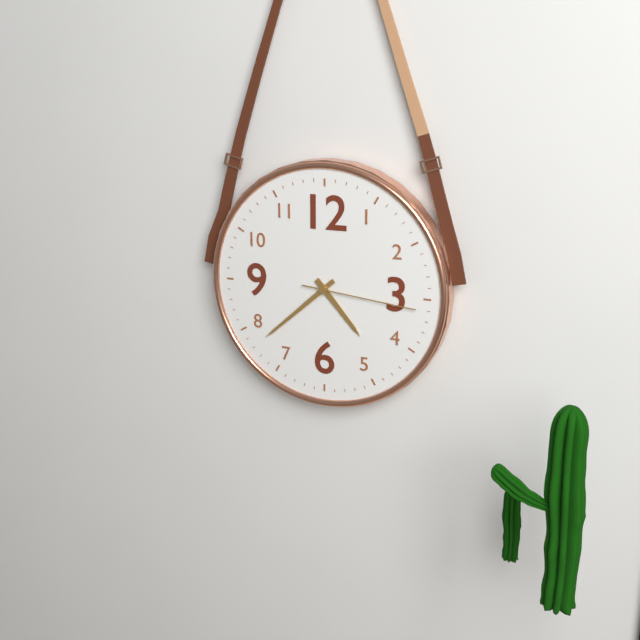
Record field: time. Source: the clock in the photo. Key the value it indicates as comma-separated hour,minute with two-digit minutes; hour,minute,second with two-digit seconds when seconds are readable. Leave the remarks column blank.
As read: 4,38,16
